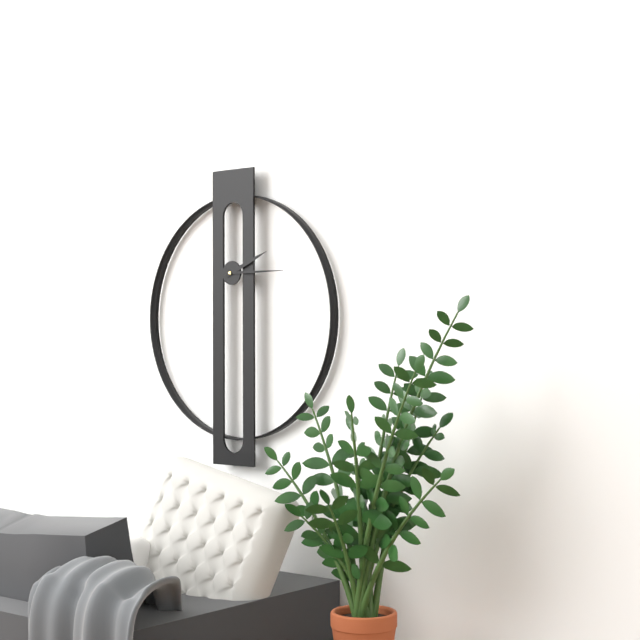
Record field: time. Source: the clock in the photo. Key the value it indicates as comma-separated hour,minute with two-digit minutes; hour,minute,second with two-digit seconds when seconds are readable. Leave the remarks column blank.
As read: 2,15
